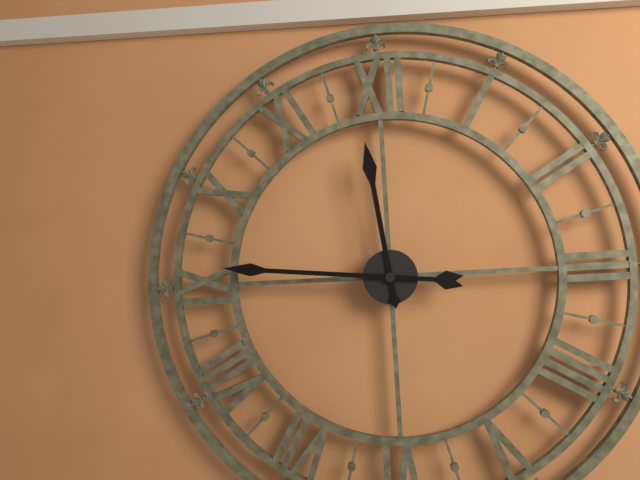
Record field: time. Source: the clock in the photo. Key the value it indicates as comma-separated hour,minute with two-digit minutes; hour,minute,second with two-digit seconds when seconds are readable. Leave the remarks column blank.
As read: 11,46
